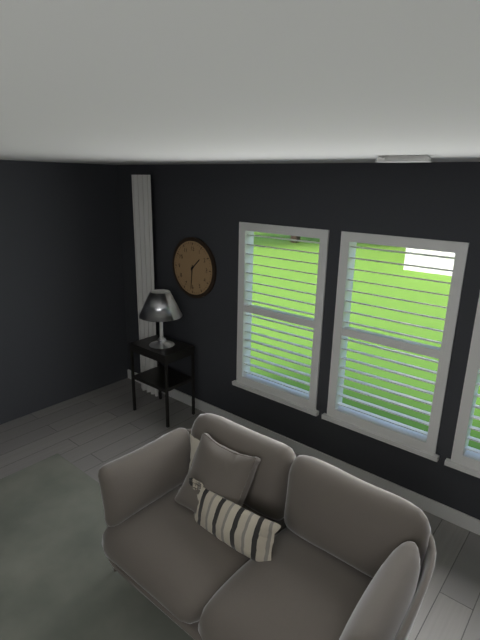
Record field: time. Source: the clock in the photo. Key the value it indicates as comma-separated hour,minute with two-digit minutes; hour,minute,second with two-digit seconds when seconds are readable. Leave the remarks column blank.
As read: 1,31
